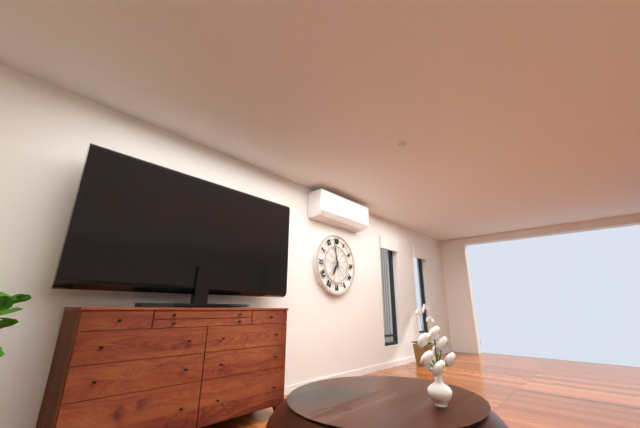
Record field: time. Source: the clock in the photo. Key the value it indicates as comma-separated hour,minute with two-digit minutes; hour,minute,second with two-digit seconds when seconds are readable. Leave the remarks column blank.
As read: 6,58
